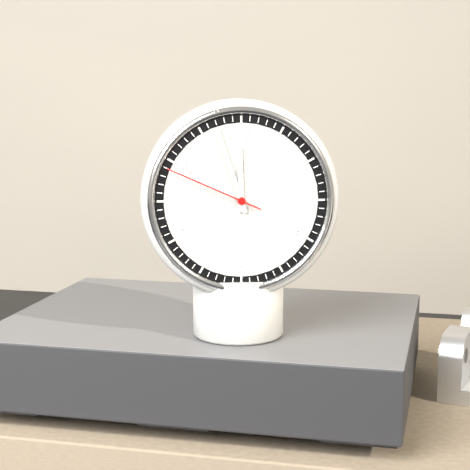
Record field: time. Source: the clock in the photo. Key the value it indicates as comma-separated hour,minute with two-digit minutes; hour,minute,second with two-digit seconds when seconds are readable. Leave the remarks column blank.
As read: 11,57,49
